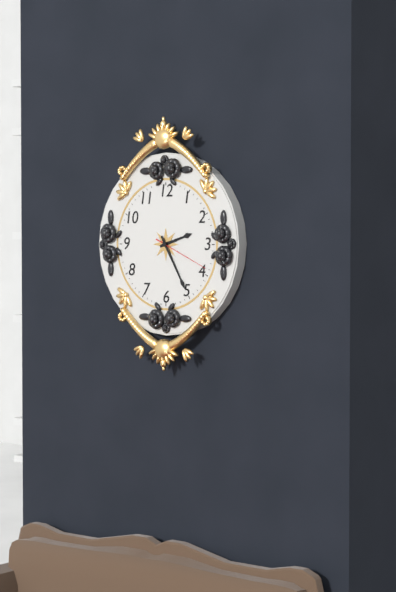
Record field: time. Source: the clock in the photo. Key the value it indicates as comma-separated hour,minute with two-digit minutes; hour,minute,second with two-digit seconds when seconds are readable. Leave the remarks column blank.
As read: 2,25,19
